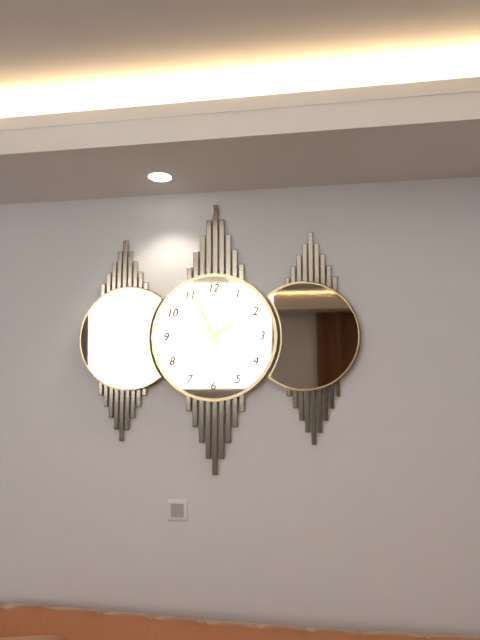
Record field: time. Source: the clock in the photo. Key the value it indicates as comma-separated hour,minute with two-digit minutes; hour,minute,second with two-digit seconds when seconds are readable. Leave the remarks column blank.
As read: 1,56
